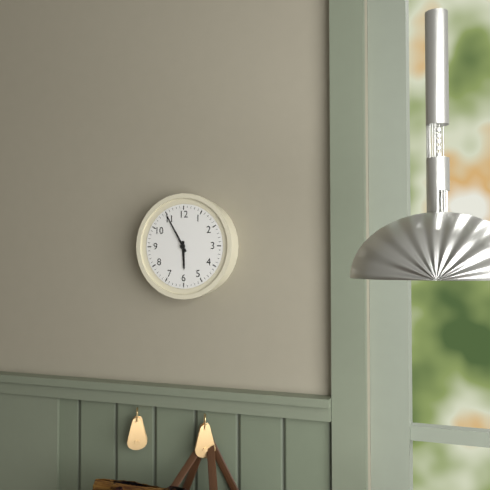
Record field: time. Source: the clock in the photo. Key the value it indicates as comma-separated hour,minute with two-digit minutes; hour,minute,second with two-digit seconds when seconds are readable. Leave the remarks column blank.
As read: 5,55
